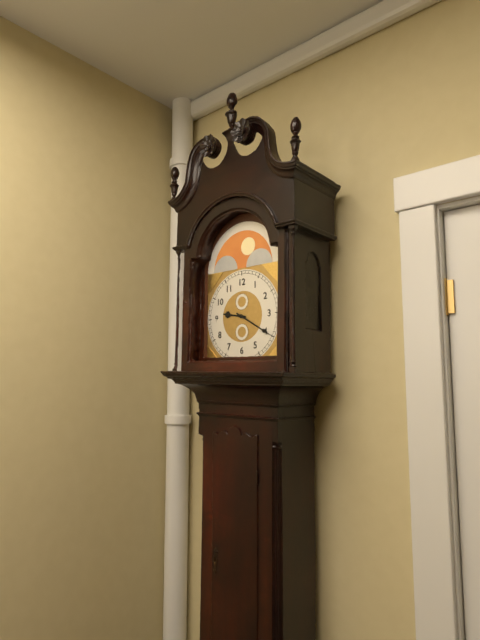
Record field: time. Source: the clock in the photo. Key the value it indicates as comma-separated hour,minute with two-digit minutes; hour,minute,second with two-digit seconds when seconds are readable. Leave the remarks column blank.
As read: 9,20
